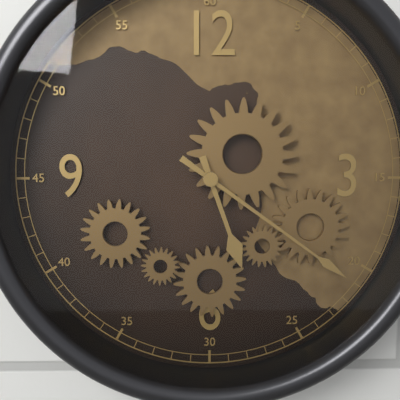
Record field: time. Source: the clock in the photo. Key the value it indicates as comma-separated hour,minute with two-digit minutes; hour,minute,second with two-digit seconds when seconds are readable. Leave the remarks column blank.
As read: 5,21
